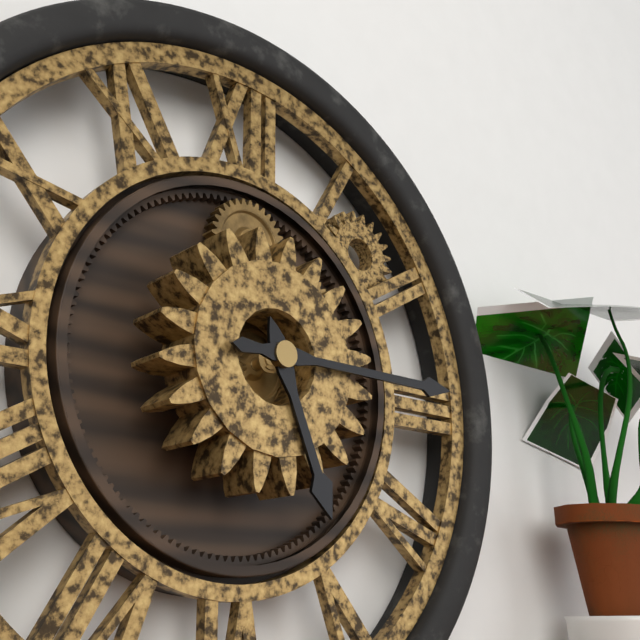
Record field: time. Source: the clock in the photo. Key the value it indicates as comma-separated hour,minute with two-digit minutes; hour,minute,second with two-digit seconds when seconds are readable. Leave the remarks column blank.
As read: 5,15
